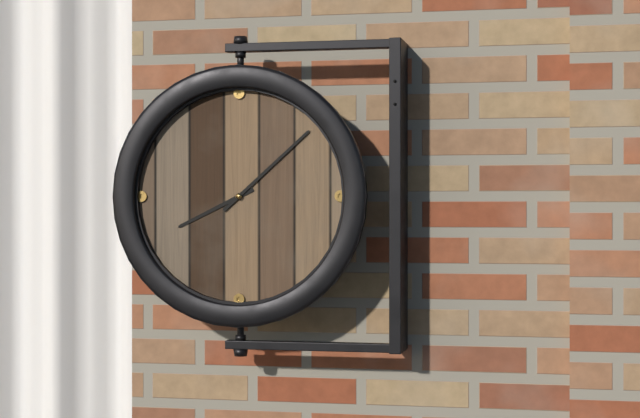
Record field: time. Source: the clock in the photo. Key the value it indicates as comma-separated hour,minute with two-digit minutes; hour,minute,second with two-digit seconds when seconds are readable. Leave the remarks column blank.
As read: 8,08
